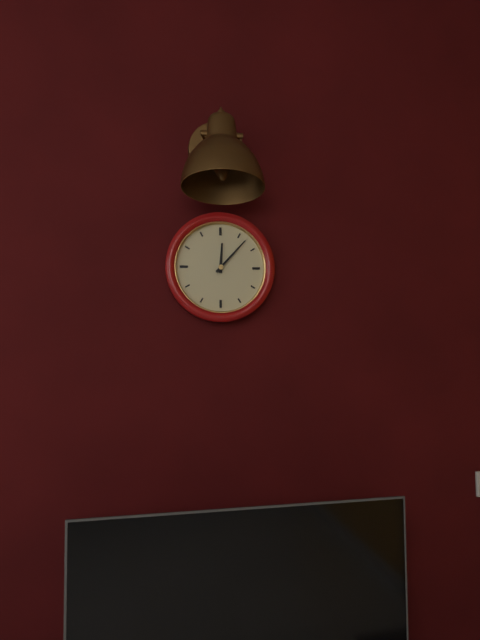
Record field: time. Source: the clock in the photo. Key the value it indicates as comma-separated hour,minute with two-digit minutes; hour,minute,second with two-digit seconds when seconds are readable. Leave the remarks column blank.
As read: 12,07
